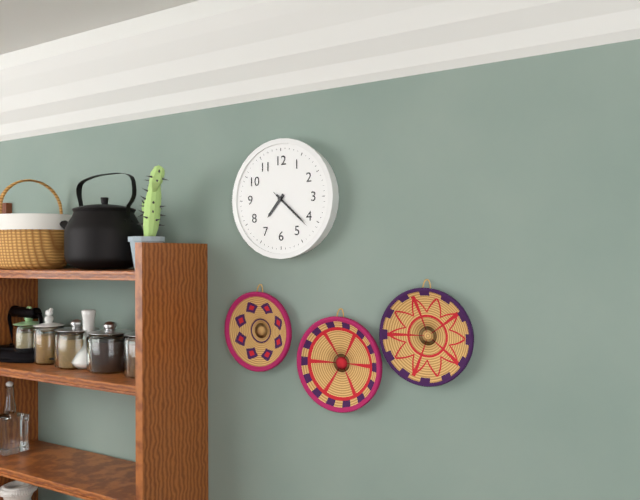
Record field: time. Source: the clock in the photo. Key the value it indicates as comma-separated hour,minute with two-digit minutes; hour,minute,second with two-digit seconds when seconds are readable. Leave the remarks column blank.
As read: 7,22
